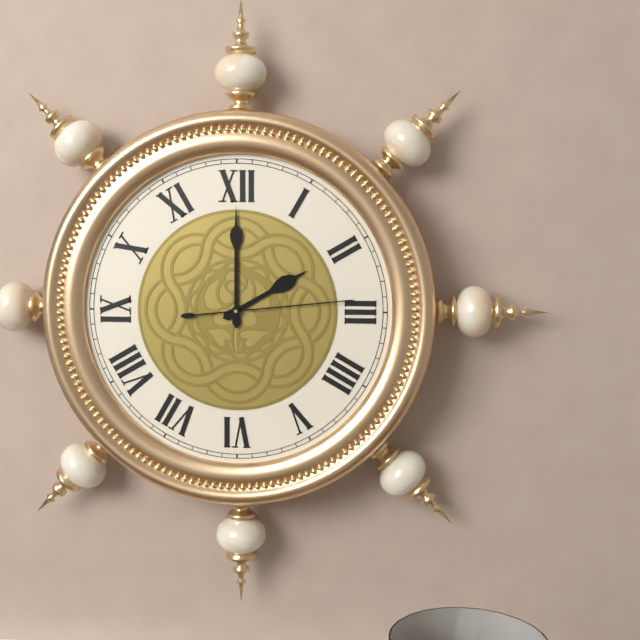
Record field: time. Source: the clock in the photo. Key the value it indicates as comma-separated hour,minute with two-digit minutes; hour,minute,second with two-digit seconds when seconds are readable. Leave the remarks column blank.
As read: 2,00,14
